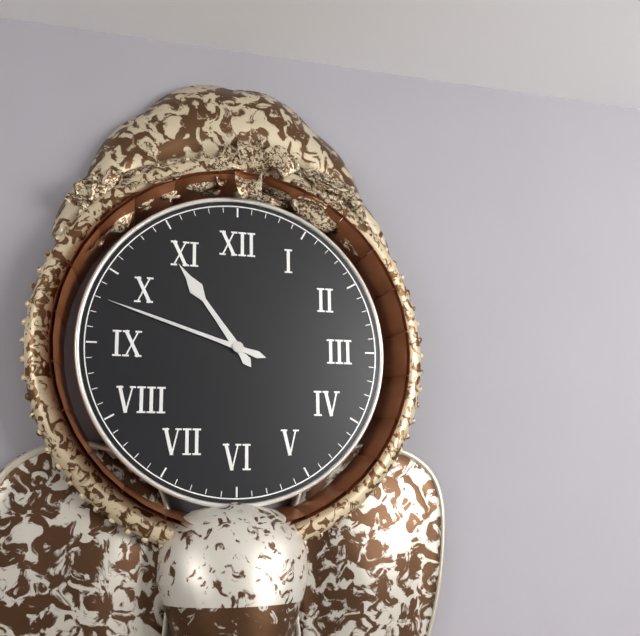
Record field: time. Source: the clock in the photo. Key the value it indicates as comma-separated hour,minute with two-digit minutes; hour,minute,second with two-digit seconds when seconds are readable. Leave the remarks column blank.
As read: 10,48
